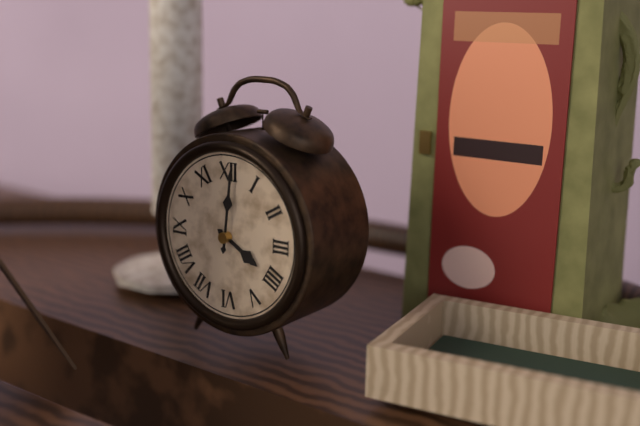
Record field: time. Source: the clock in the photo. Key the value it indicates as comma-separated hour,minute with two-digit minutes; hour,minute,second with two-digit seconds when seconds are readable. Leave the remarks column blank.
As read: 4,01
